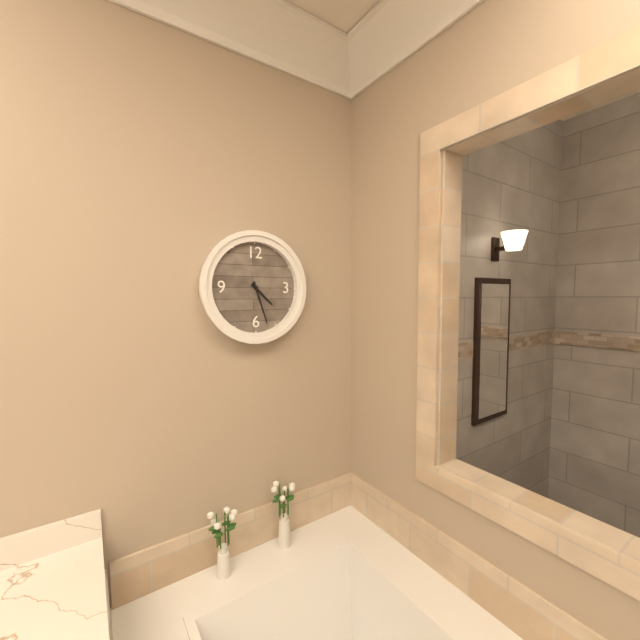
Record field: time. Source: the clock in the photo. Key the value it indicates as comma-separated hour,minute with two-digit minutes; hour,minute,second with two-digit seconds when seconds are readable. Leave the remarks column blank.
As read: 4,27
